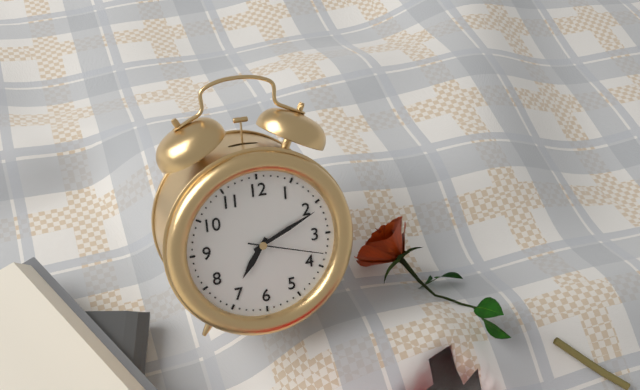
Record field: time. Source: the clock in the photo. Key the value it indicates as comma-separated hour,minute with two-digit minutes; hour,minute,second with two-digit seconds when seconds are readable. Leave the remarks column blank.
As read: 7,11,18
